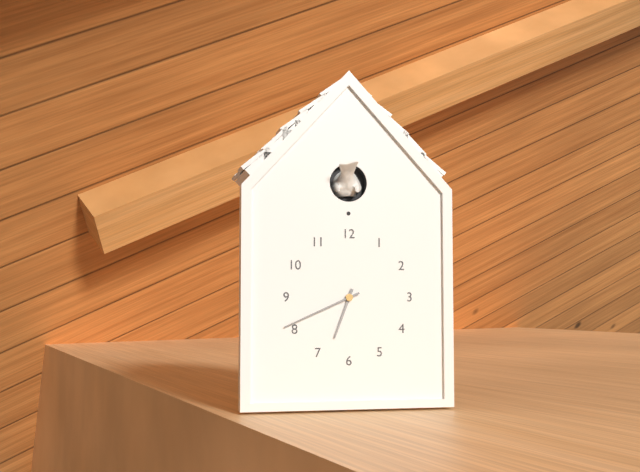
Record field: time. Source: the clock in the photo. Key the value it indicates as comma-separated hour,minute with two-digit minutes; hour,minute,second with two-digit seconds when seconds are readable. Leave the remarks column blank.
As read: 6,41
